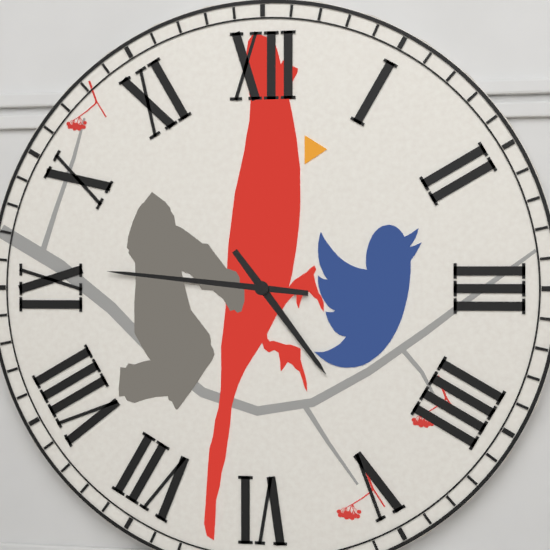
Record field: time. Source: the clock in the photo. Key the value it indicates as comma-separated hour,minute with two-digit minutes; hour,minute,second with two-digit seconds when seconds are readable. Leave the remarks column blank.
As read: 4,46
